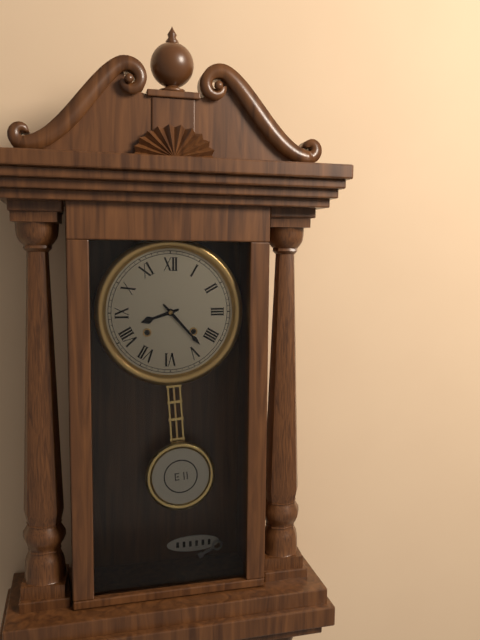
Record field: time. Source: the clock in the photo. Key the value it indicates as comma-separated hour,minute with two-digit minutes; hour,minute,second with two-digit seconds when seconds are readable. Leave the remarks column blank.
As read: 8,23
